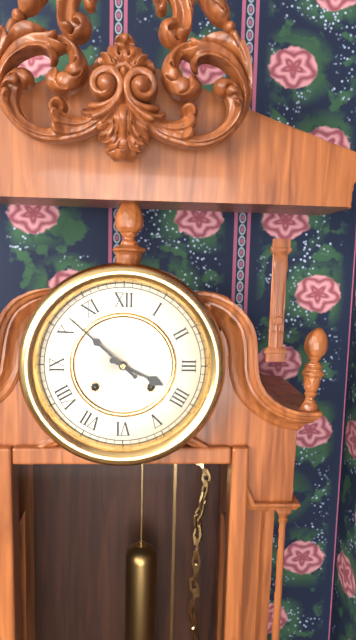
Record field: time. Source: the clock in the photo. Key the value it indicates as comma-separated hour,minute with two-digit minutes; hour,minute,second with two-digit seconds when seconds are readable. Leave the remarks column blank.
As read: 3,52
